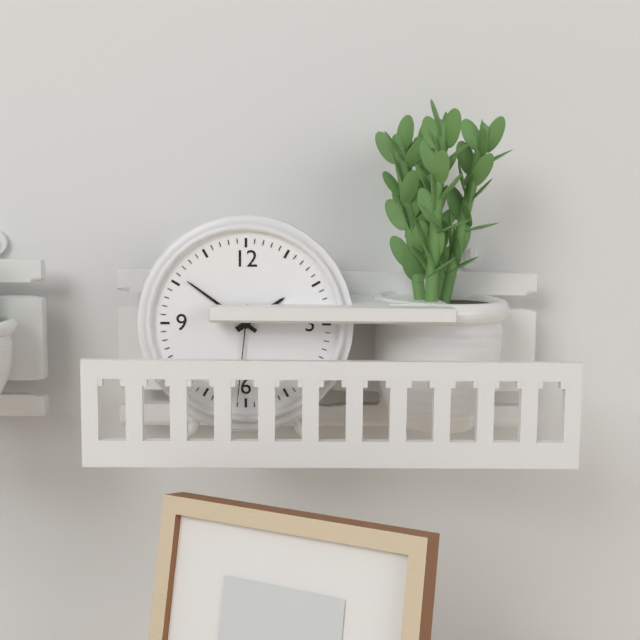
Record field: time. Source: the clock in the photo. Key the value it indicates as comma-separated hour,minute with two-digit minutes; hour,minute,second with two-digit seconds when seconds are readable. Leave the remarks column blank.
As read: 1,51,31
